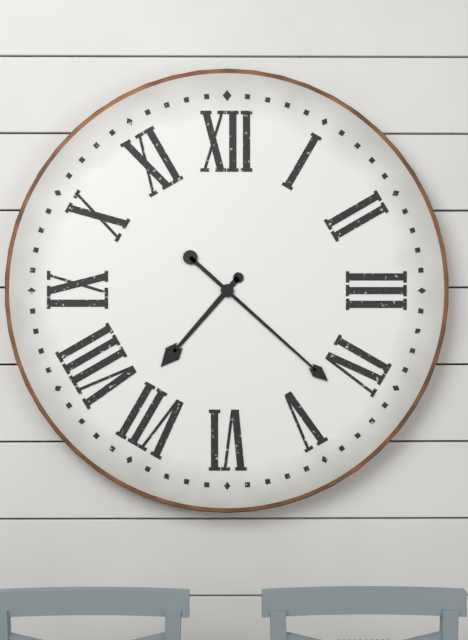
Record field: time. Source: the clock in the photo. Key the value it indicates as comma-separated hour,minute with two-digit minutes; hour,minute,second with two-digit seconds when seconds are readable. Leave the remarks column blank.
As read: 7,22
